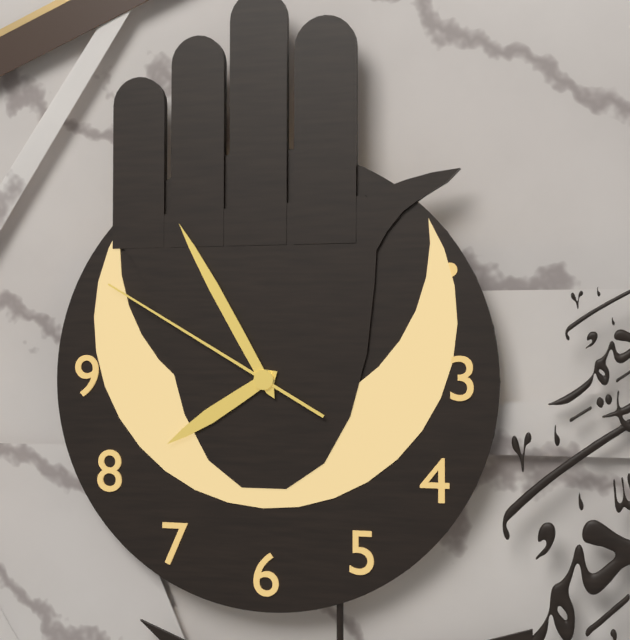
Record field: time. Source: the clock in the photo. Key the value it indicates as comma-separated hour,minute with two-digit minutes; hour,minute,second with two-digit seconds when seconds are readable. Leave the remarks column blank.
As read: 7,55,50
